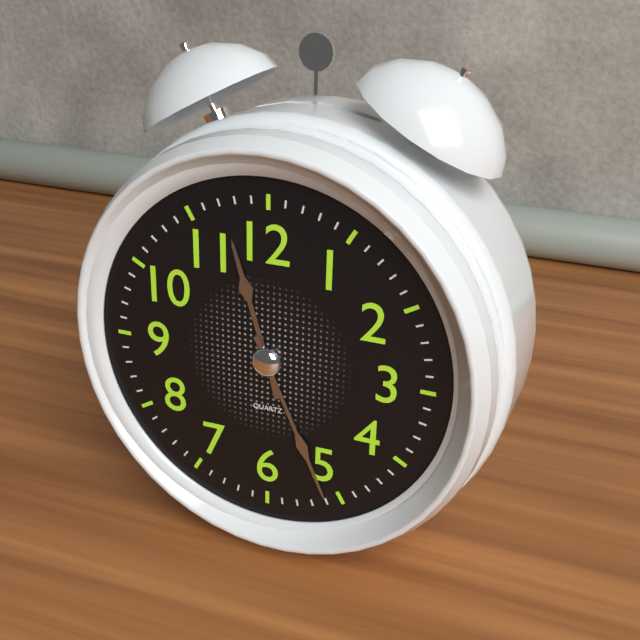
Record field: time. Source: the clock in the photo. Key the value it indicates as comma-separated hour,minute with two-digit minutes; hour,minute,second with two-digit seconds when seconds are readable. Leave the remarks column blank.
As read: 11,26
